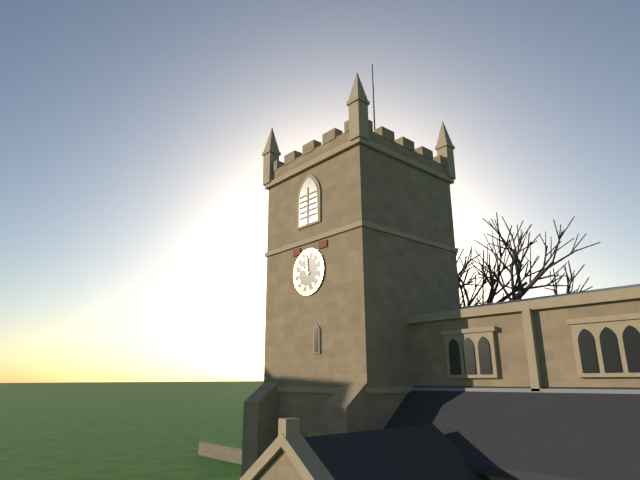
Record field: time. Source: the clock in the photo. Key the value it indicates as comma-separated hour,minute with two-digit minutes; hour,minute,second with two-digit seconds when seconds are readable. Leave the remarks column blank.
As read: 9,59
